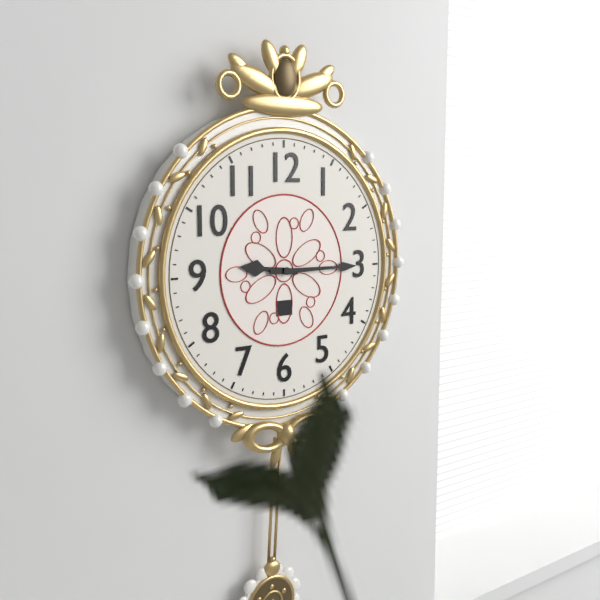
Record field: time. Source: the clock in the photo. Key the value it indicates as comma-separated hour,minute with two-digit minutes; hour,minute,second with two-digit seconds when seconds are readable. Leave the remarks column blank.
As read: 9,15
